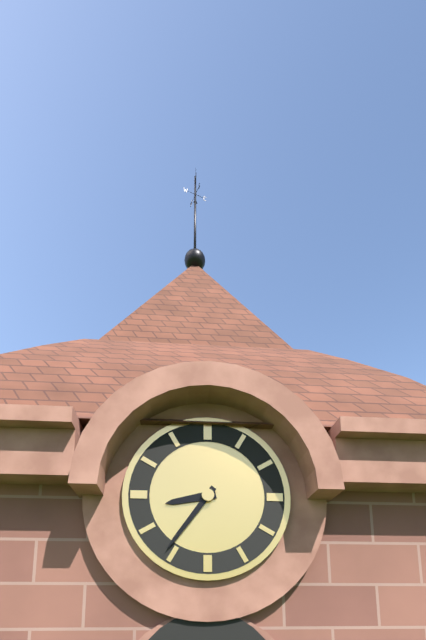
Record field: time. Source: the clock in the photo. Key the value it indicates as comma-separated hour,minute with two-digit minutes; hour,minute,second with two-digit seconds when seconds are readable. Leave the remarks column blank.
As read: 8,36
